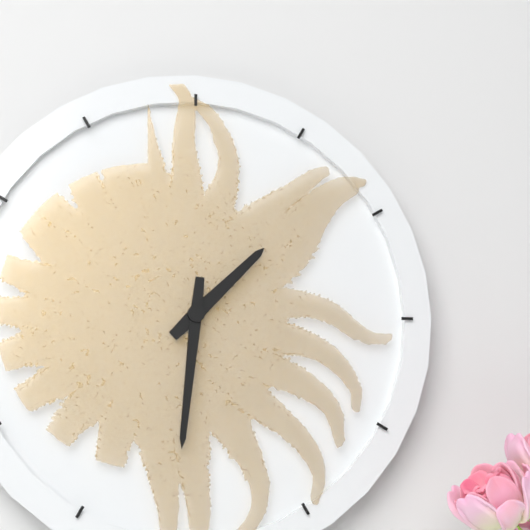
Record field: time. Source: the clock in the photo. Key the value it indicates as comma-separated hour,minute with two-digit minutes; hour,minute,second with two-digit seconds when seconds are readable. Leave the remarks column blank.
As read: 1,31
